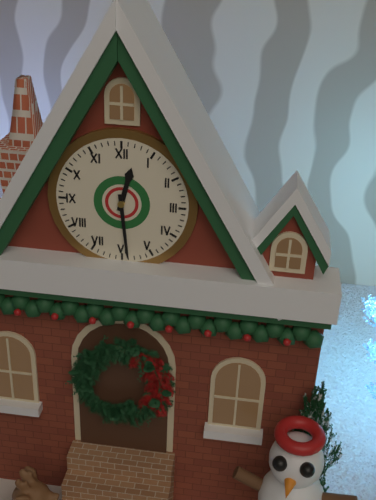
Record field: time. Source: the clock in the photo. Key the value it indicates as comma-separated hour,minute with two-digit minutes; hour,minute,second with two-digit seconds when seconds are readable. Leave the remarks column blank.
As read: 12,29
